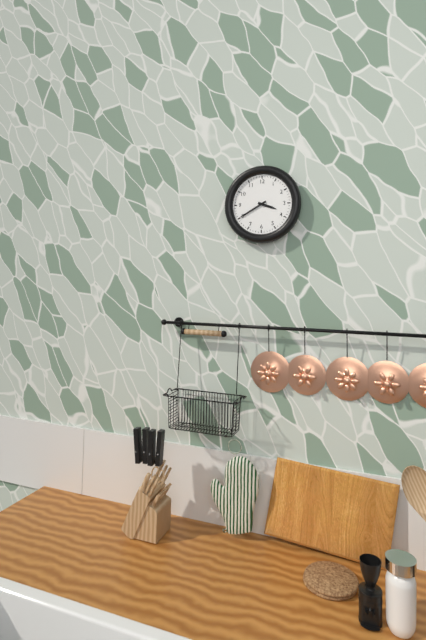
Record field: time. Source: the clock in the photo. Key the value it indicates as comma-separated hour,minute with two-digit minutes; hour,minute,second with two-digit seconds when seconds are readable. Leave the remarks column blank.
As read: 3,40
